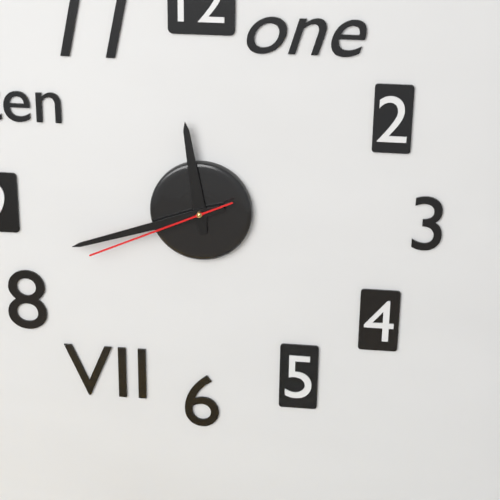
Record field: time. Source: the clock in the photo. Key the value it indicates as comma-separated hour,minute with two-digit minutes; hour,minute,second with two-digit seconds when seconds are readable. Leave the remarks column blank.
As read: 11,42,41
